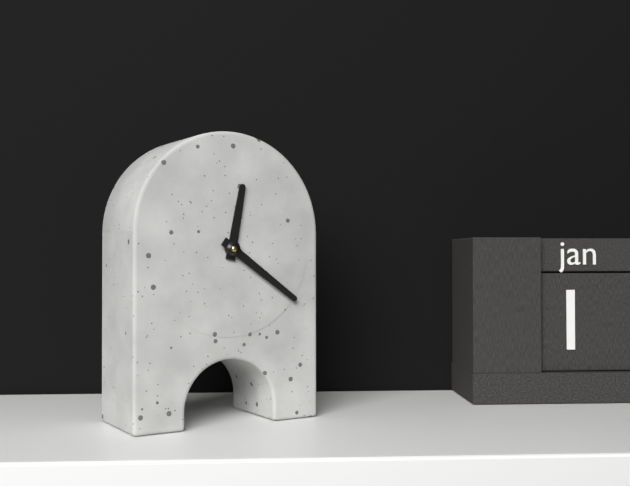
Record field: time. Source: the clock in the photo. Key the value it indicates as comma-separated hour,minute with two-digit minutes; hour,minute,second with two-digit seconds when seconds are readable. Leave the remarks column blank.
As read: 12,21
